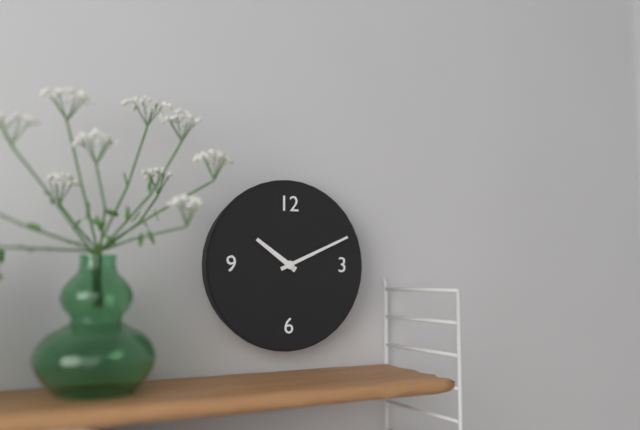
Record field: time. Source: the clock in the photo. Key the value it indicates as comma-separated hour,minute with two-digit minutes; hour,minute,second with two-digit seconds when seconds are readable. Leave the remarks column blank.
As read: 10,11
